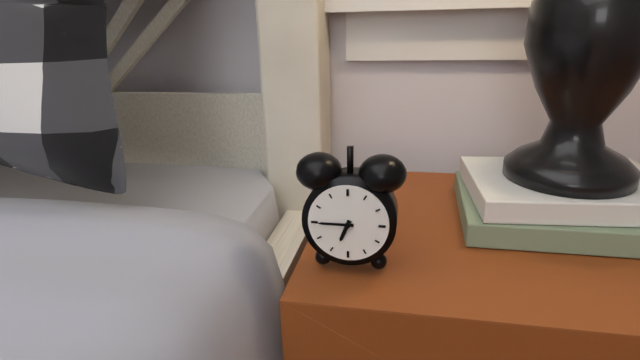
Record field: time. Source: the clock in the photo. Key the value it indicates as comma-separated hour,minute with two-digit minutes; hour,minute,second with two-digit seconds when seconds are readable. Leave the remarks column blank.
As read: 6,45
